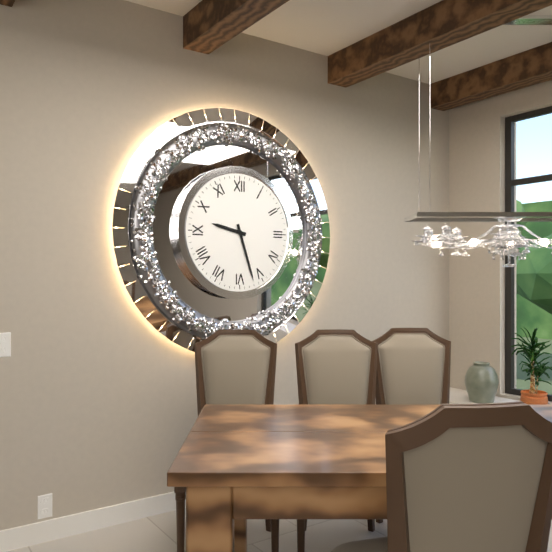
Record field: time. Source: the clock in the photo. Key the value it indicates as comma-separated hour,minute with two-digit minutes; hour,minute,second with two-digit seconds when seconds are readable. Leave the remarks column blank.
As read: 9,27
